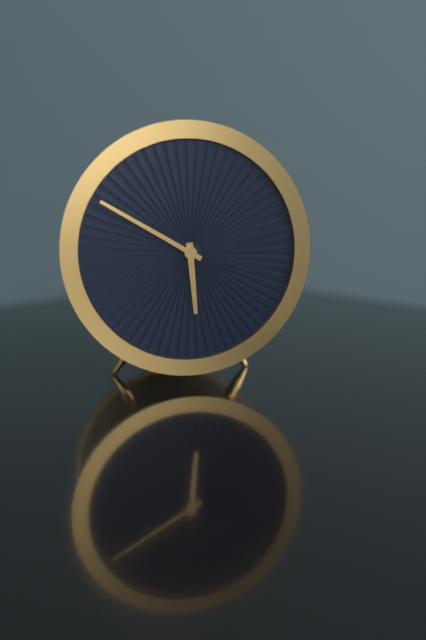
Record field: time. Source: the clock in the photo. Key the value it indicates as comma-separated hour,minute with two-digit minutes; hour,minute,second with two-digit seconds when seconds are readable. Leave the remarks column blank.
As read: 5,50
